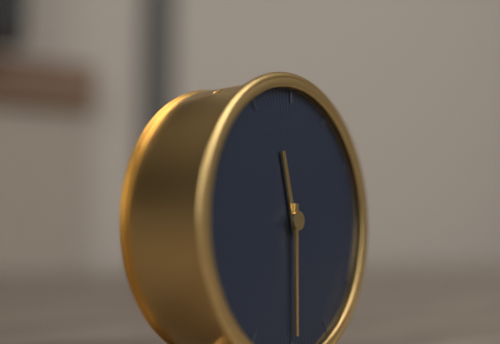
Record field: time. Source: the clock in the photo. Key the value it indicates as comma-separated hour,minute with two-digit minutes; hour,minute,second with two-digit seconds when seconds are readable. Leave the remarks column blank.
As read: 11,30
